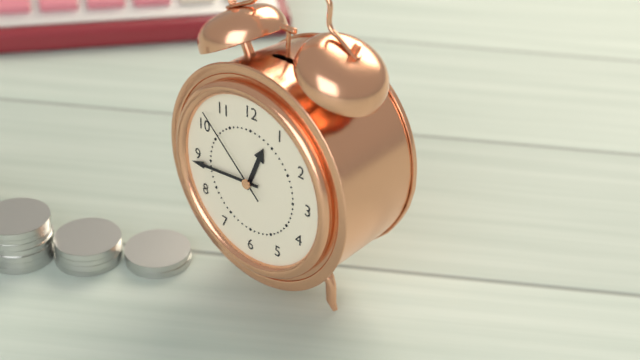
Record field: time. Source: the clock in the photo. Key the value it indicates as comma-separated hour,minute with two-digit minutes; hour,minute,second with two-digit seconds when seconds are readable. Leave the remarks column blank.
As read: 12,44,52
